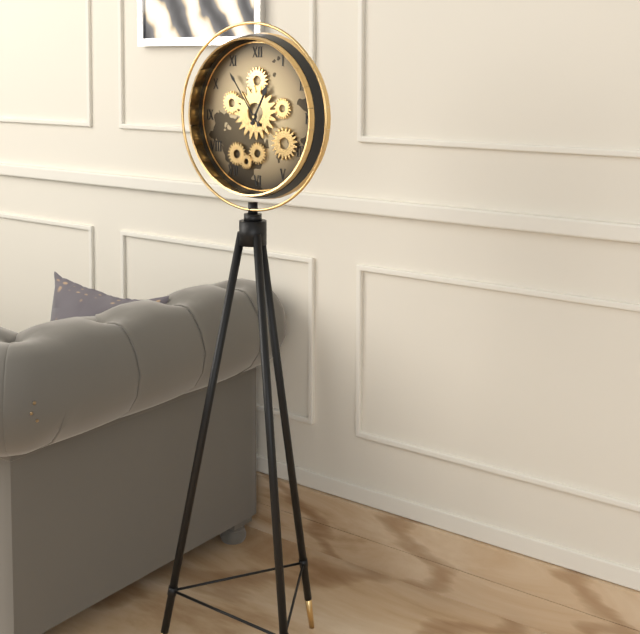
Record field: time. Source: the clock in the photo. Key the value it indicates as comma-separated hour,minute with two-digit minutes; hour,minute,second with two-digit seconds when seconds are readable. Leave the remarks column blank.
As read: 12,54
